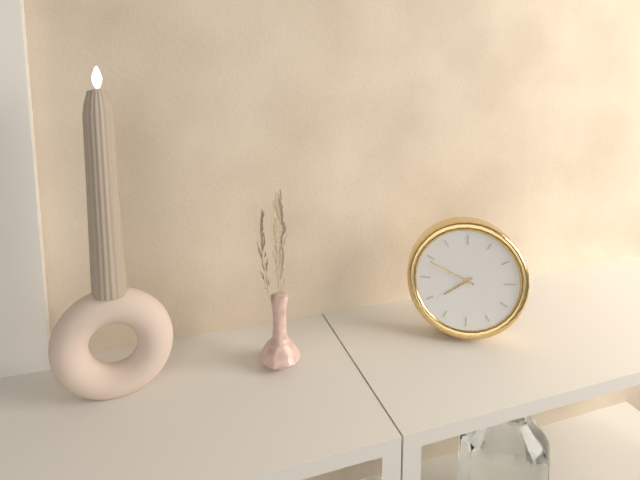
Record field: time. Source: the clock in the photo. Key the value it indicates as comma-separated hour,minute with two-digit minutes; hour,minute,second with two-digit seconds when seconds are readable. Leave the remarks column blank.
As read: 7,49
